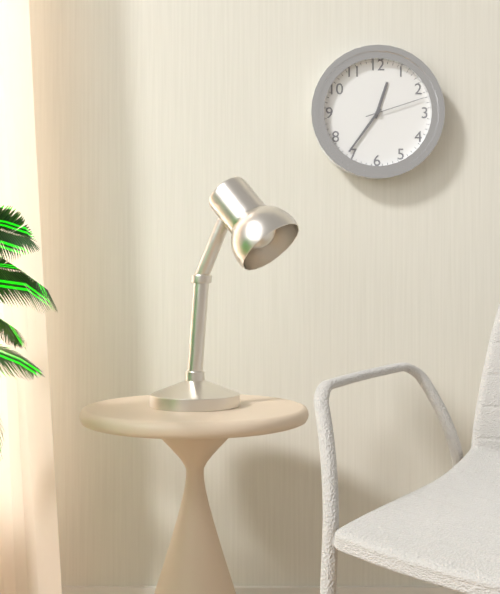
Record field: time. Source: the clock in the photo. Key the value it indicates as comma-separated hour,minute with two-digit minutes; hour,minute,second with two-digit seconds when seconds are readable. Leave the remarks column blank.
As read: 12,36,12
